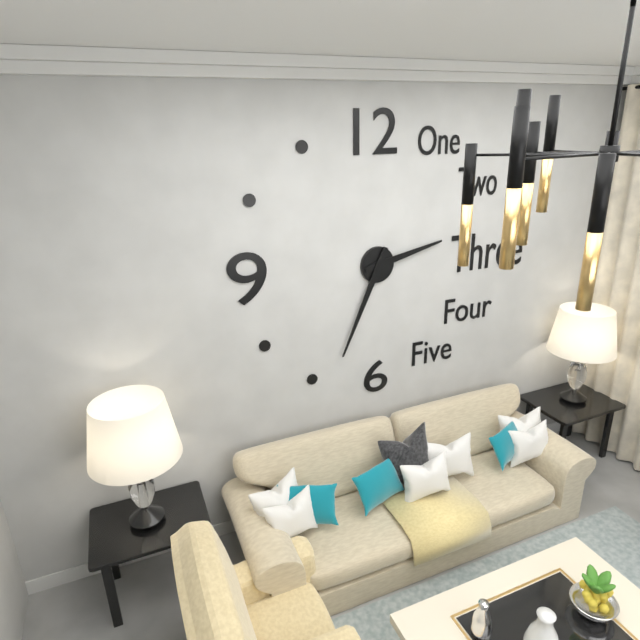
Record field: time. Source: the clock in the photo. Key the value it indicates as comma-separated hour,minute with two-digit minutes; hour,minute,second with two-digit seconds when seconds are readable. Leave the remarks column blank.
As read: 2,34
